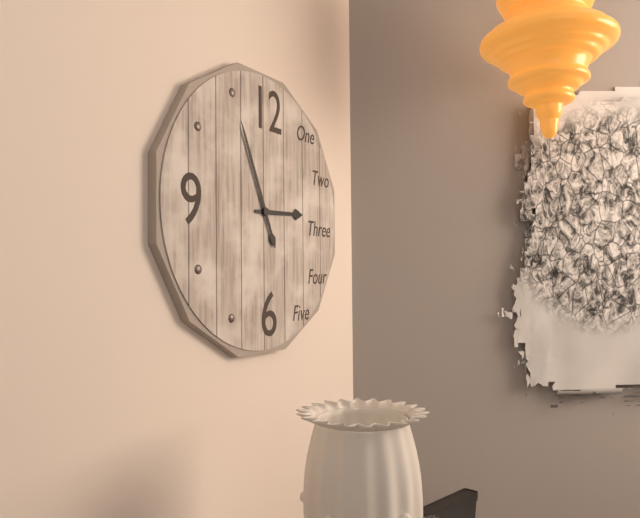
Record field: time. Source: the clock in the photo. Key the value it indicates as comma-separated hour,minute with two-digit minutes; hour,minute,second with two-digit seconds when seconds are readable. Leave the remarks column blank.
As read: 2,56
